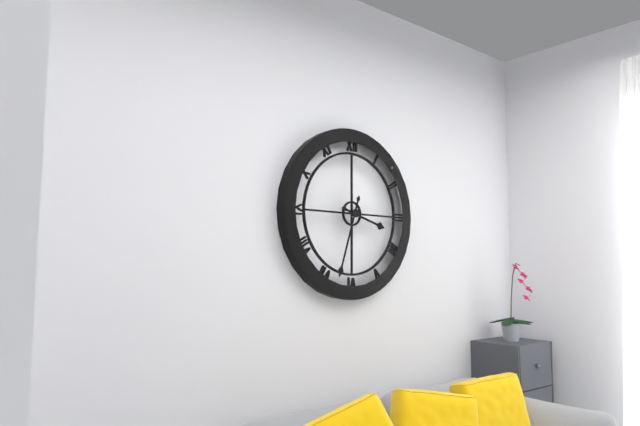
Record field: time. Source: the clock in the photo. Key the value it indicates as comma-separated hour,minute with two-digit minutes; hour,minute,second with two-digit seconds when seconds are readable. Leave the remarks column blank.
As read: 3,33
